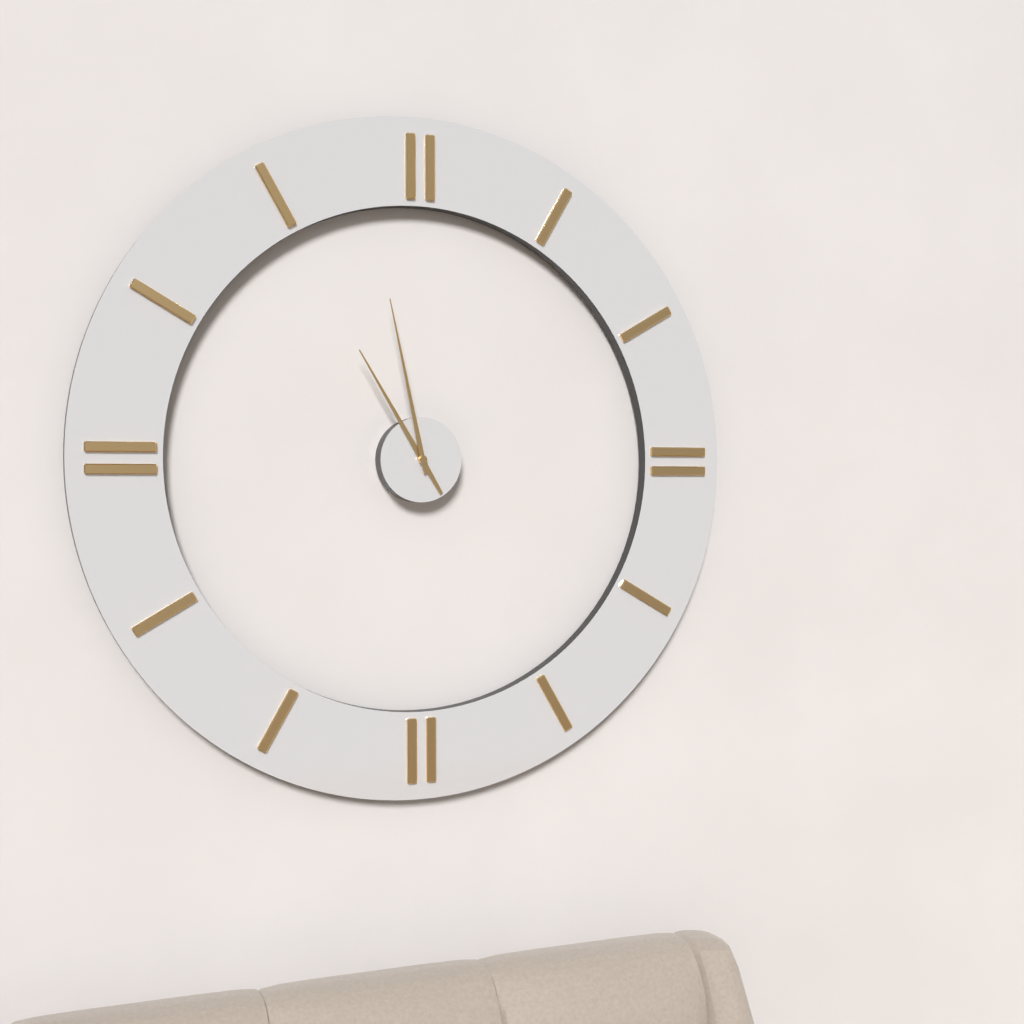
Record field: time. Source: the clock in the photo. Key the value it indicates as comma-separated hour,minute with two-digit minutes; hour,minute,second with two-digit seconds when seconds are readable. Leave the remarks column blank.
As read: 10,58
